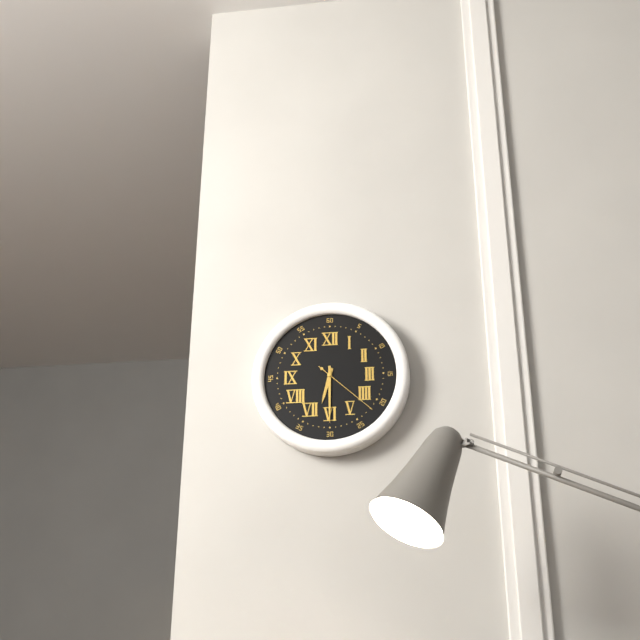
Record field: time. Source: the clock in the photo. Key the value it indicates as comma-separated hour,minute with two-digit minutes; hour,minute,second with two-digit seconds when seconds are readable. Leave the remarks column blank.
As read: 6,30,22
